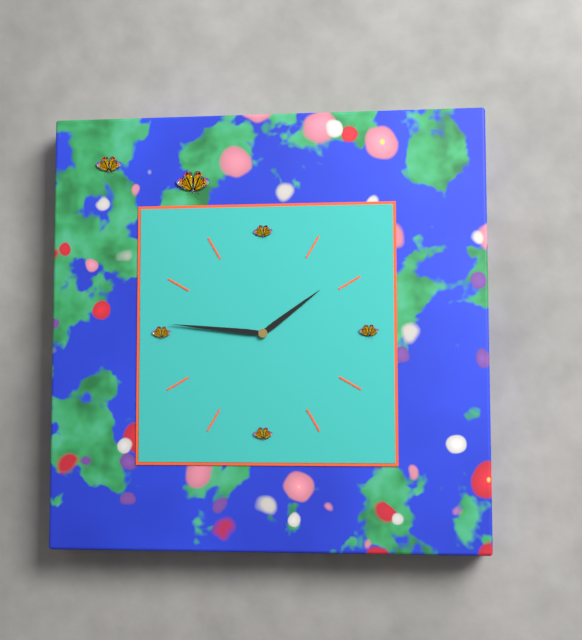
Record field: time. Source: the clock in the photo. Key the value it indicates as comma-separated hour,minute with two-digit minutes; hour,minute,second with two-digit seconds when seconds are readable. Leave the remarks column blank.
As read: 1,46
